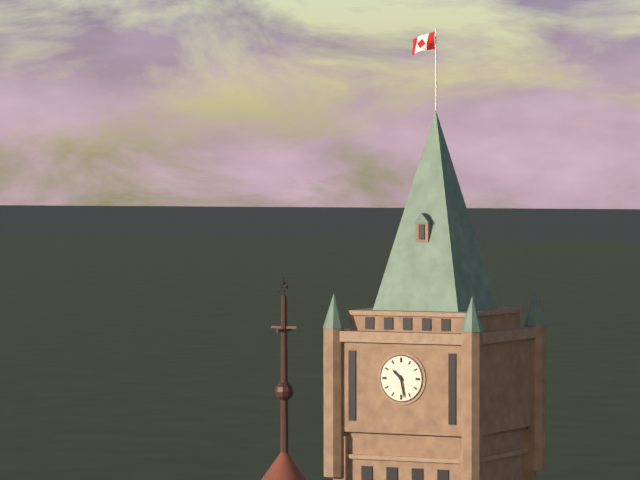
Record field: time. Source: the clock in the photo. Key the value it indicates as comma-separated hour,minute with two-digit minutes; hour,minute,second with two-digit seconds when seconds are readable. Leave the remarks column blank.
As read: 10,28
